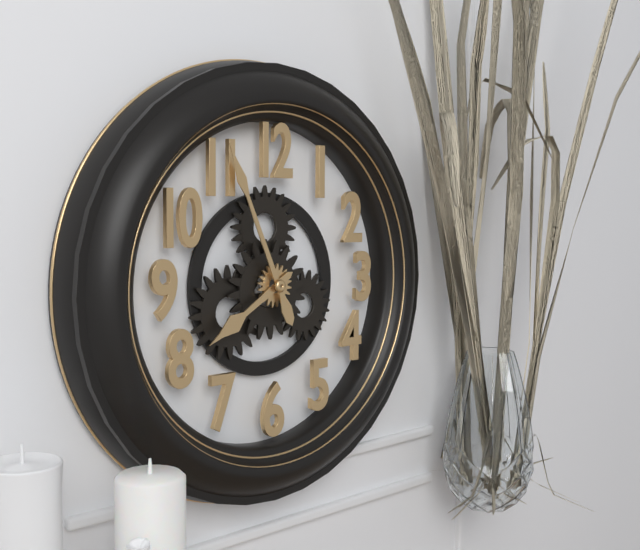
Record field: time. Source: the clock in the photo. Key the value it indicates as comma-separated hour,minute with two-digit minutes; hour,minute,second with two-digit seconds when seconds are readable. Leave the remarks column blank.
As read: 7,56
